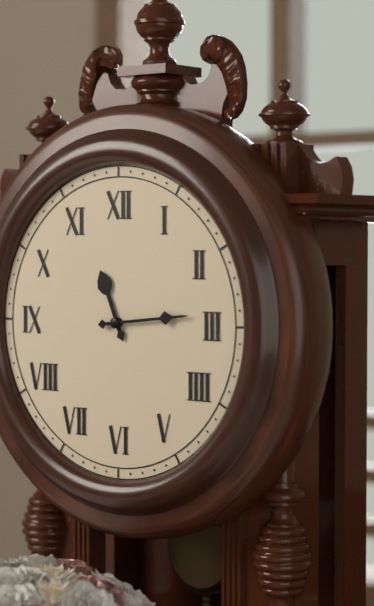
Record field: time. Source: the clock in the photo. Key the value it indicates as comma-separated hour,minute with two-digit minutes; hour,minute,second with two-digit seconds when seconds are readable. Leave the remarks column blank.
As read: 11,14
